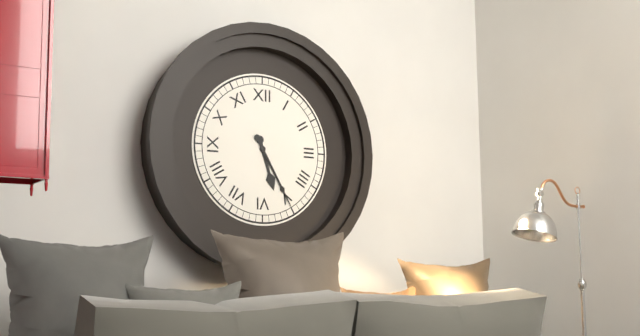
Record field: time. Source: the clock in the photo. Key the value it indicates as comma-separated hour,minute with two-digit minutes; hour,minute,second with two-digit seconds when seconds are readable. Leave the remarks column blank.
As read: 5,25
